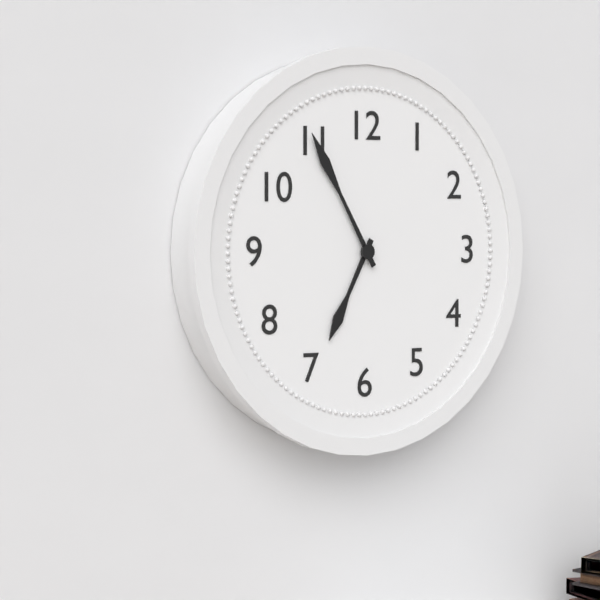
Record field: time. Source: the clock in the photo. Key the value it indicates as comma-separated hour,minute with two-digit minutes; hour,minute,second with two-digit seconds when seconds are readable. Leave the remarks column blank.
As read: 6,55
